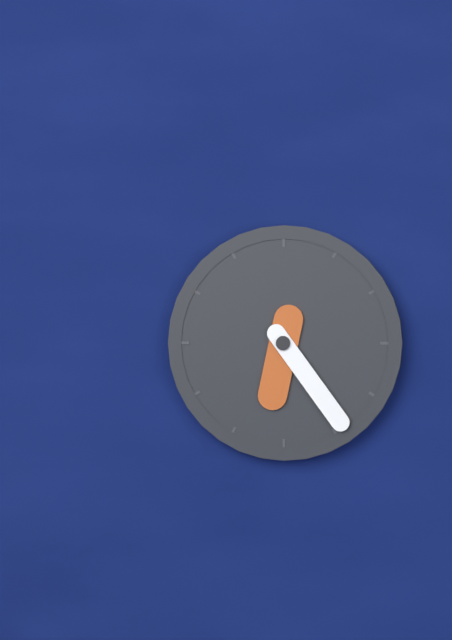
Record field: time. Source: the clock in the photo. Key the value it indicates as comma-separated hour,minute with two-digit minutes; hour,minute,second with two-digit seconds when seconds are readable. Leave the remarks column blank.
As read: 6,24
